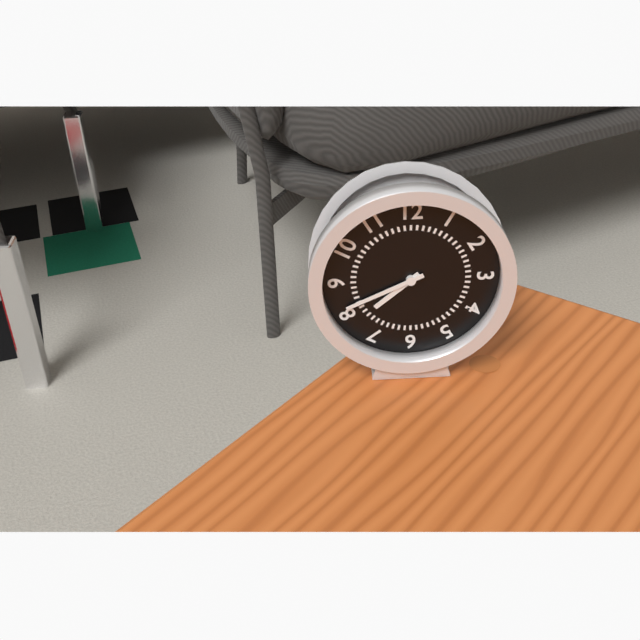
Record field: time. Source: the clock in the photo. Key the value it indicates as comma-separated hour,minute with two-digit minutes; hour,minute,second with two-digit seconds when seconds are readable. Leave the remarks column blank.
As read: 7,41
